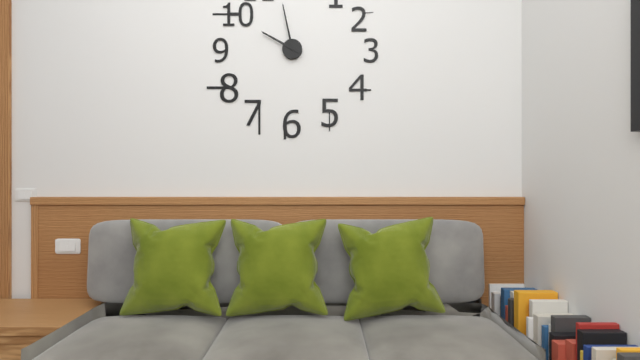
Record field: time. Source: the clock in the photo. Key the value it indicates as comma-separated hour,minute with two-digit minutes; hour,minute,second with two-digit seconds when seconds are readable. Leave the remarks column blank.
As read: 9,58
